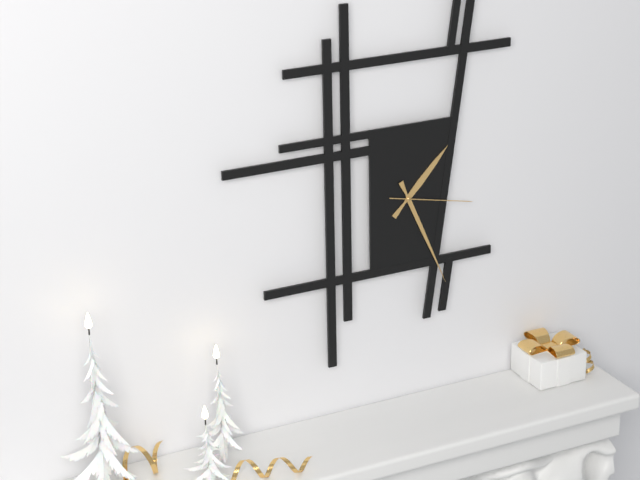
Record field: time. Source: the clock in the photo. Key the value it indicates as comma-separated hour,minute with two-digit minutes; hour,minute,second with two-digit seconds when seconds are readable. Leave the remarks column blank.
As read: 1,26,17
